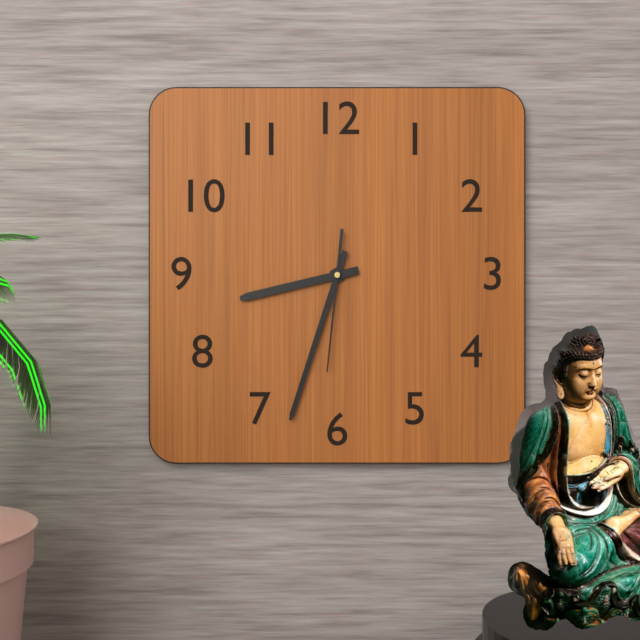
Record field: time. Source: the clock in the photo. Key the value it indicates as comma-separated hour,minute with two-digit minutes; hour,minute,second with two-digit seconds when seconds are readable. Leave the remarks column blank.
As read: 8,33,31
